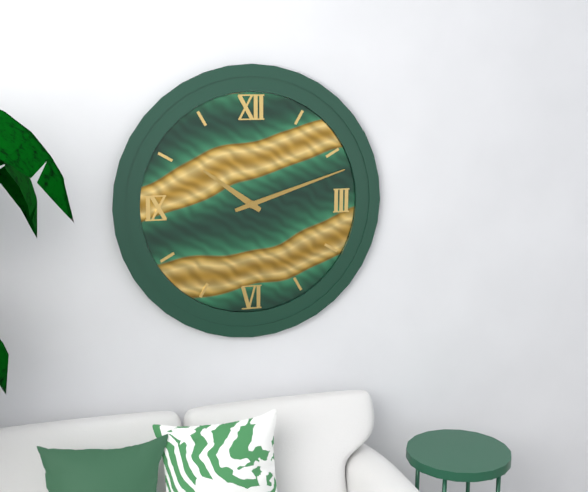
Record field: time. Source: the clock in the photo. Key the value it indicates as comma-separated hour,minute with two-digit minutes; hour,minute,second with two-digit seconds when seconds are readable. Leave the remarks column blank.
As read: 10,12
